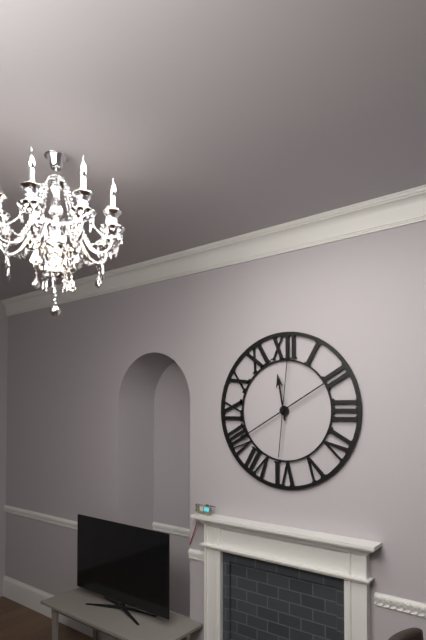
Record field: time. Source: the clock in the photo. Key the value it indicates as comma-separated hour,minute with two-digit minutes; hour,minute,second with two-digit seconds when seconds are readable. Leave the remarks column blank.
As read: 11,40,01
